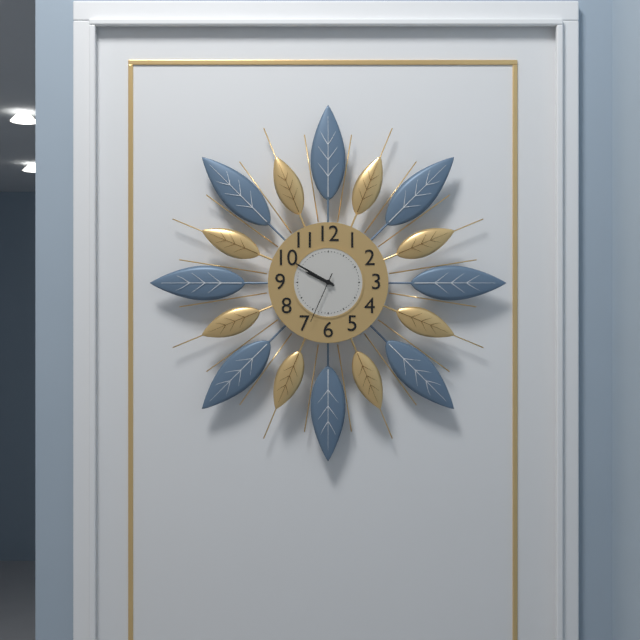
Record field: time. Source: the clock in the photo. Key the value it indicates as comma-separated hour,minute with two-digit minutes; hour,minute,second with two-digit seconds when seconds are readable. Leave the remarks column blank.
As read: 9,50,34
